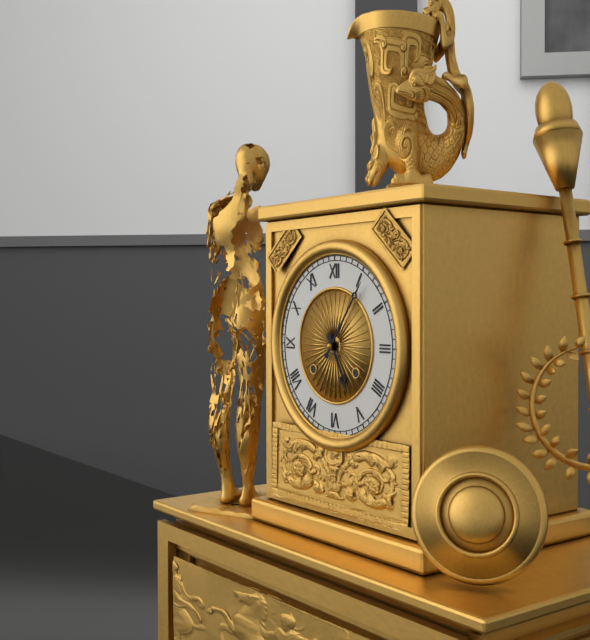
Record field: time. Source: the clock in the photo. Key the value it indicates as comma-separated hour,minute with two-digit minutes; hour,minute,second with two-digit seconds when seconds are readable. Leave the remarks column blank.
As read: 5,06
